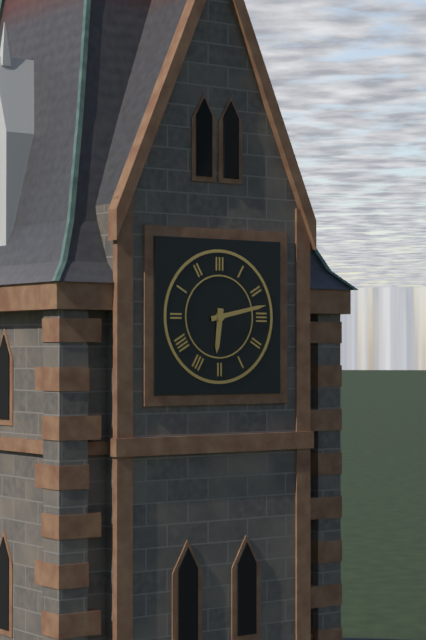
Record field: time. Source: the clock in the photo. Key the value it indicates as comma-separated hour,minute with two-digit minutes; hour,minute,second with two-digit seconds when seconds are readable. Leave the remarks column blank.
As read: 6,13
